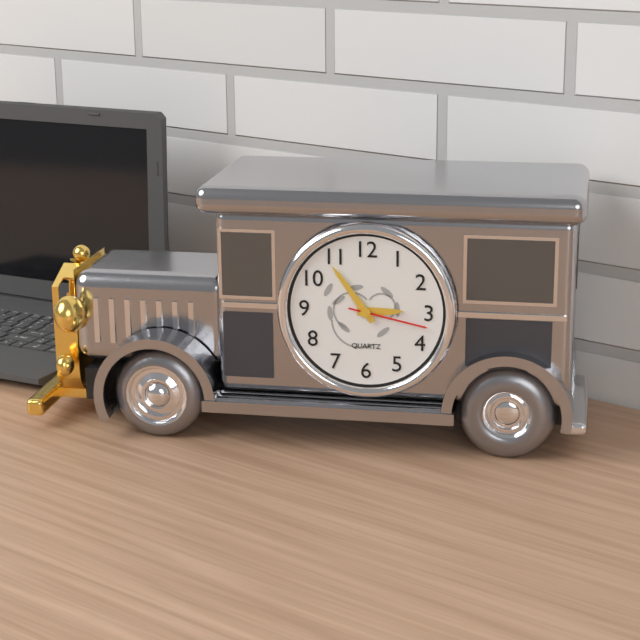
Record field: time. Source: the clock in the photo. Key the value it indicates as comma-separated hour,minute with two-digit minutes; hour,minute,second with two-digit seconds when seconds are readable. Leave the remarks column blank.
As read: 2,54,17
